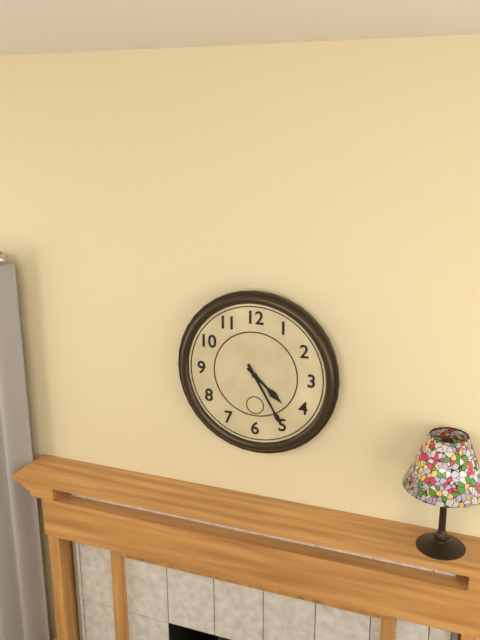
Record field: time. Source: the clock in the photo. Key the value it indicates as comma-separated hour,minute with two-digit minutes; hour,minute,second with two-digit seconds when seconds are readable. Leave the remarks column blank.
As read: 4,25
